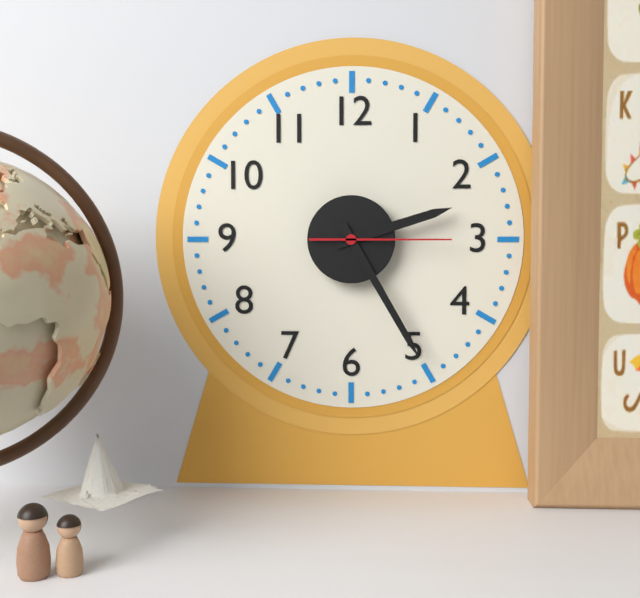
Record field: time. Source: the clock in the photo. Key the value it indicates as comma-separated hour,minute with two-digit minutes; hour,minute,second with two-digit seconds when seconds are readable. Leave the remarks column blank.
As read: 2,25,15
